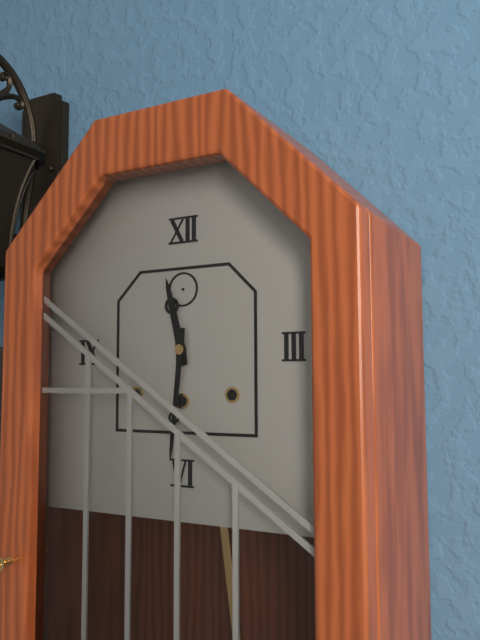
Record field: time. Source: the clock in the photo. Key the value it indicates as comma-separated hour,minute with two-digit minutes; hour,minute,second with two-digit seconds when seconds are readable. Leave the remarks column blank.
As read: 11,31
